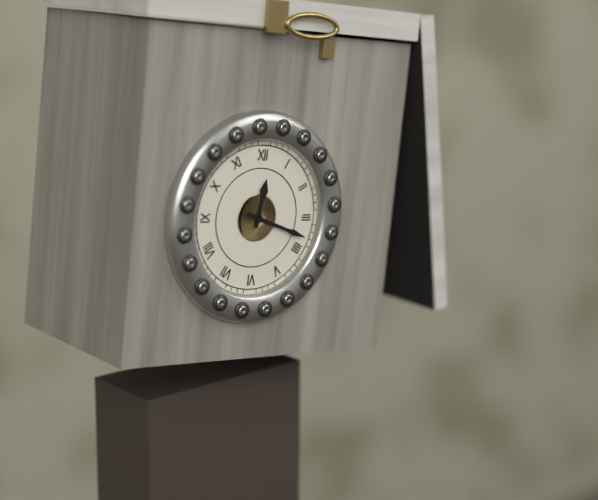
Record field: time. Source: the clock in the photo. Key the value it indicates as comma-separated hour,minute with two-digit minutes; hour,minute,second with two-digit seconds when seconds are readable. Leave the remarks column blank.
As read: 12,18
